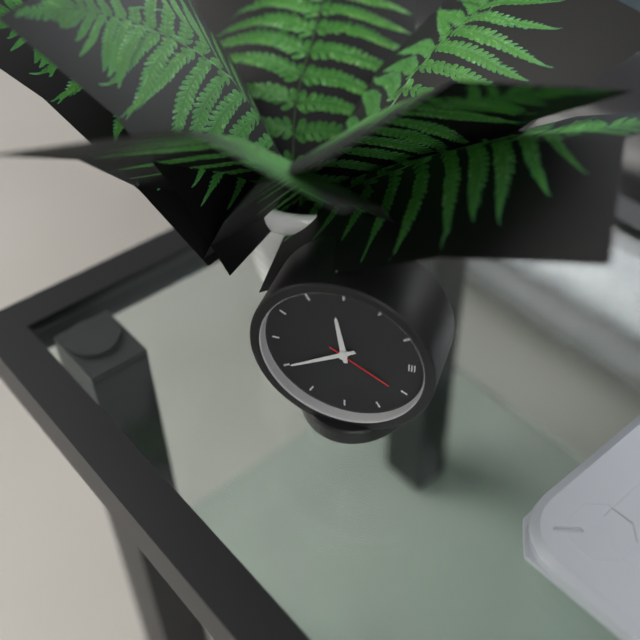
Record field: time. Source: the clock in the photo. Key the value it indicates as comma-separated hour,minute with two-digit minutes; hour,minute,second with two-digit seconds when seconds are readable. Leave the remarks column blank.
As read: 11,40,20
